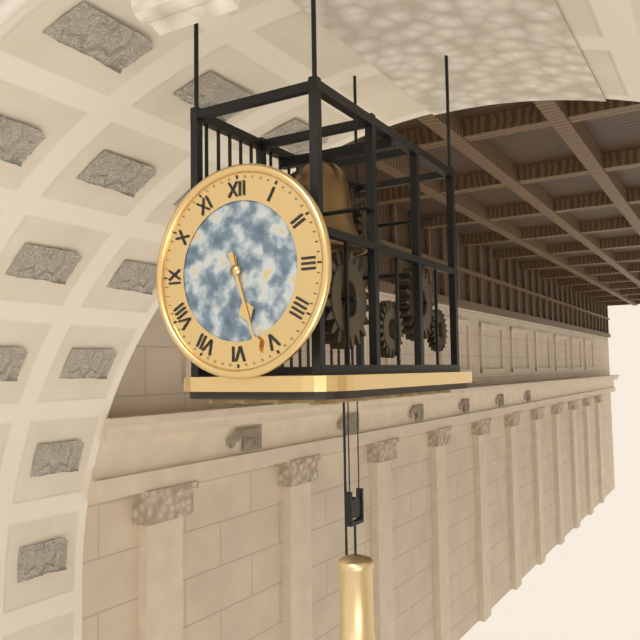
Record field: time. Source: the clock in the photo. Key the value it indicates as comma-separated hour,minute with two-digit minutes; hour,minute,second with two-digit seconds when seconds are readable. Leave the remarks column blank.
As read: 5,27
